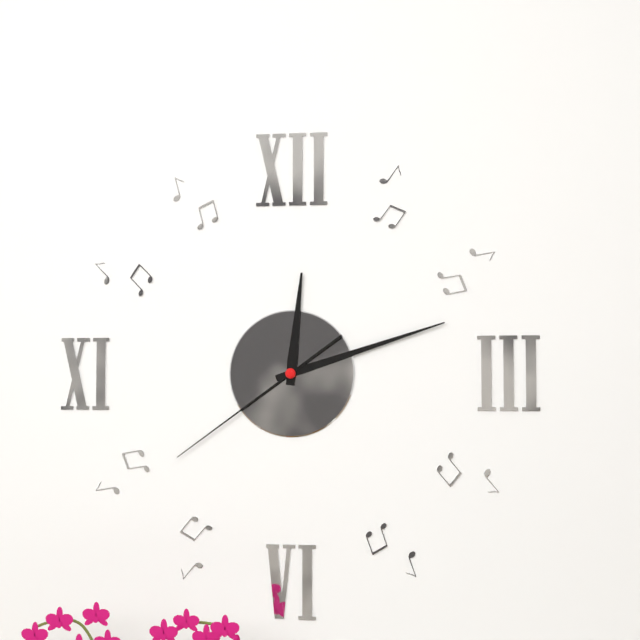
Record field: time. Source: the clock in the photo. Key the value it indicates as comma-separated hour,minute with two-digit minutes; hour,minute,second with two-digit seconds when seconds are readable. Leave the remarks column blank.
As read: 12,12,39
